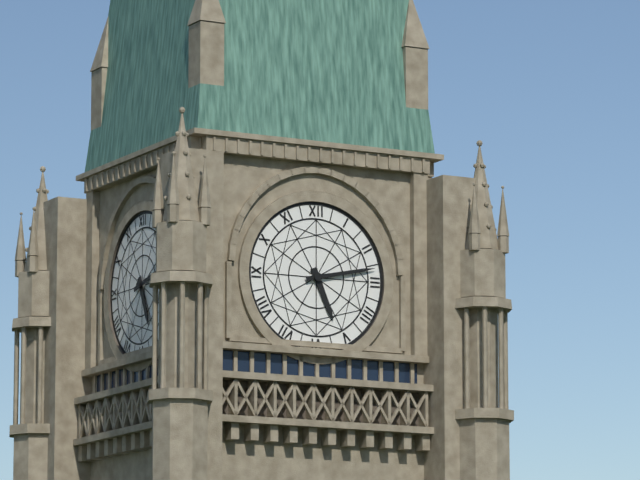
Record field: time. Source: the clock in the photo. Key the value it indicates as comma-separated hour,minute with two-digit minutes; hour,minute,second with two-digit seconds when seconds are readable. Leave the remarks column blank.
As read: 5,13
